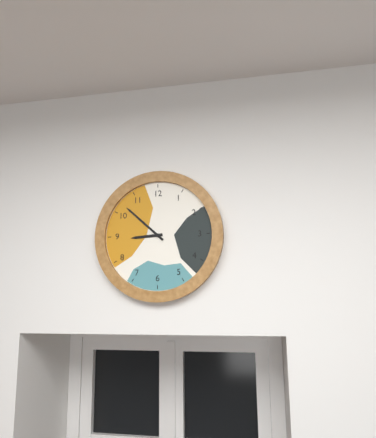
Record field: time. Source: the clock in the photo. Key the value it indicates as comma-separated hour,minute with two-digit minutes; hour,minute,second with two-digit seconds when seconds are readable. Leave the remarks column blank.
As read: 8,52
